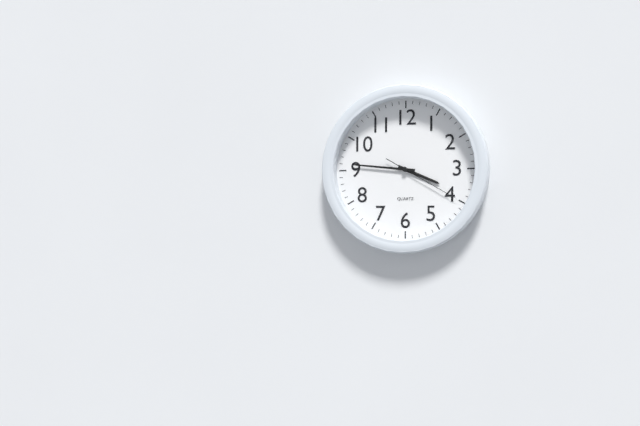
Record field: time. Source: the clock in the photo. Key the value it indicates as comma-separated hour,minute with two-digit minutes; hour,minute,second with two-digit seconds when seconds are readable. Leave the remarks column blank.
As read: 3,46,20
